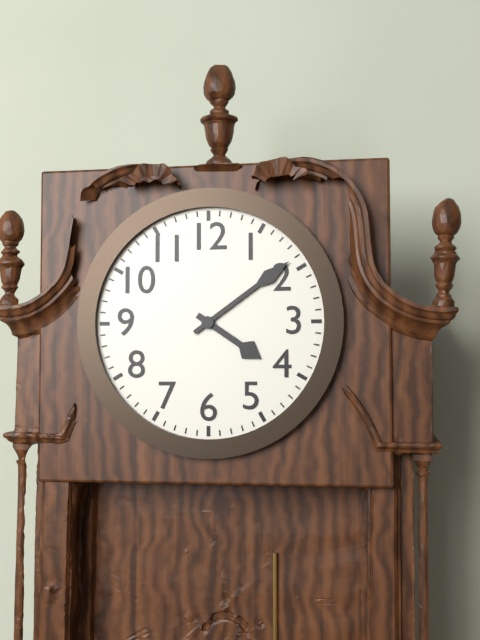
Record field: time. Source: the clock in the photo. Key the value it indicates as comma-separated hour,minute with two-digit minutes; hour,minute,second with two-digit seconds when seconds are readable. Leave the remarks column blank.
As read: 4,09
